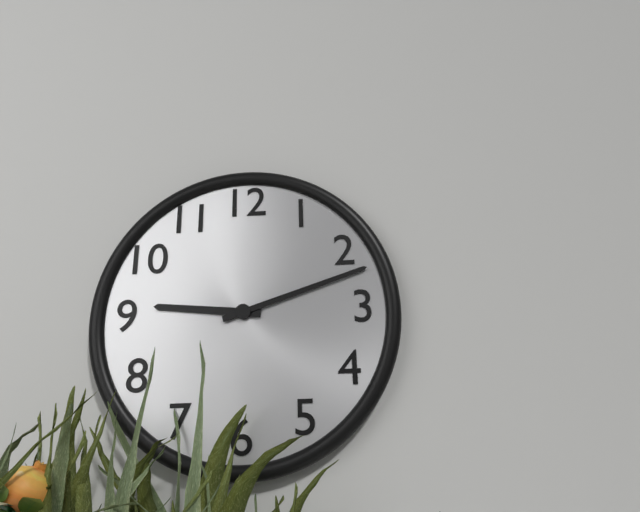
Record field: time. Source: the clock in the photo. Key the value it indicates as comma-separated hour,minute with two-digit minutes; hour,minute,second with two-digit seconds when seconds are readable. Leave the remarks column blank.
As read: 9,12
